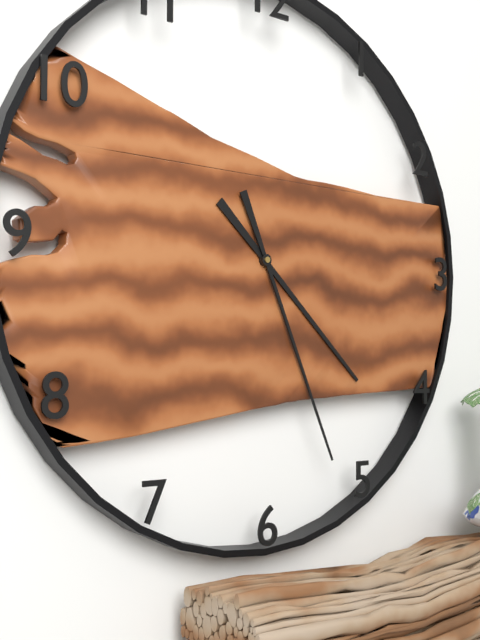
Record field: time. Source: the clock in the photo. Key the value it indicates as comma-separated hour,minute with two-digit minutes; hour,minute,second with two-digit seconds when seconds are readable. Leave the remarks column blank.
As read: 4,26
